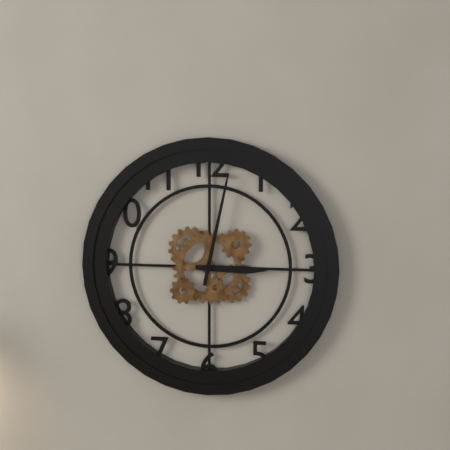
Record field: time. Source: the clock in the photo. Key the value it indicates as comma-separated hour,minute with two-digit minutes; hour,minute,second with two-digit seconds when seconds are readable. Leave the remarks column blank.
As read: 3,02
